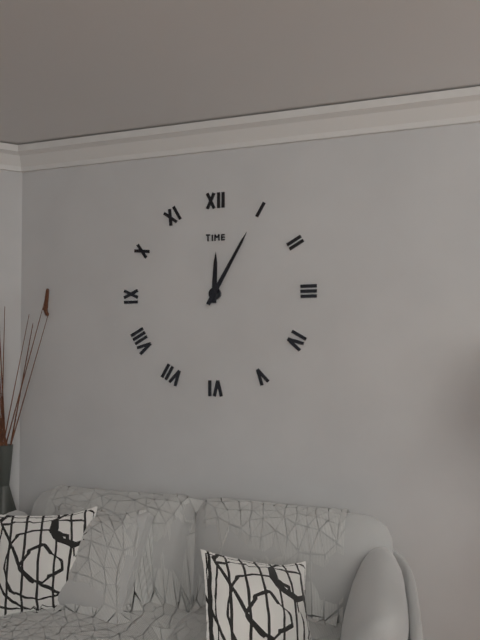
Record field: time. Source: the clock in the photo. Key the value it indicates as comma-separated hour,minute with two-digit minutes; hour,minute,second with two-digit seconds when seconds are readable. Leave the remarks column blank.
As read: 12,05
